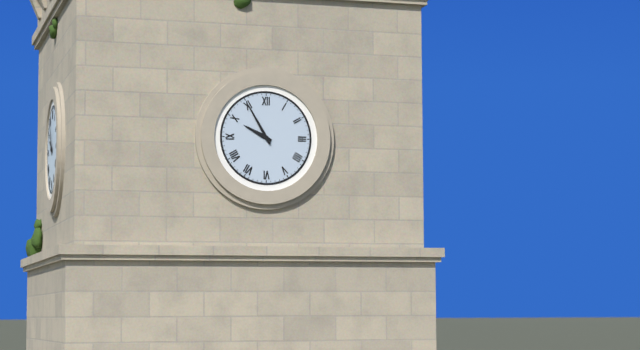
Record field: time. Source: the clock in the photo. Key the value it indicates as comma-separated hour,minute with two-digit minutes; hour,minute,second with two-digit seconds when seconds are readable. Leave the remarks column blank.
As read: 9,55
